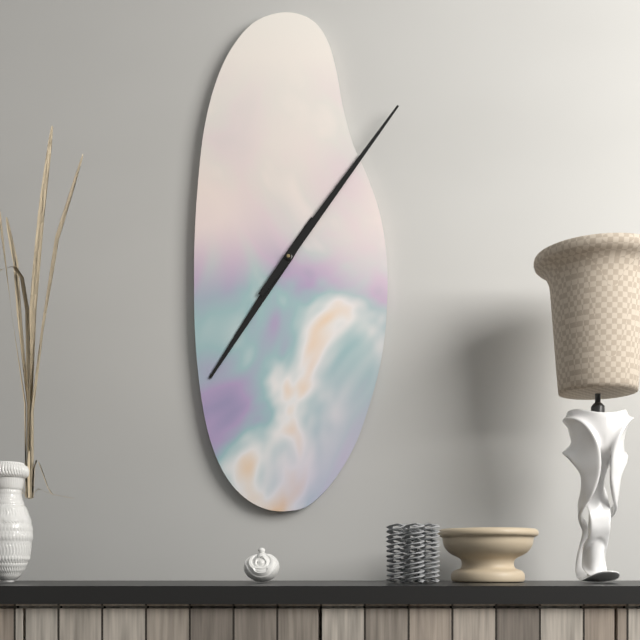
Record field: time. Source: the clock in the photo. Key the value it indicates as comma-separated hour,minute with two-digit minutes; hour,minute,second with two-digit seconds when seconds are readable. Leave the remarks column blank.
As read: 7,06
